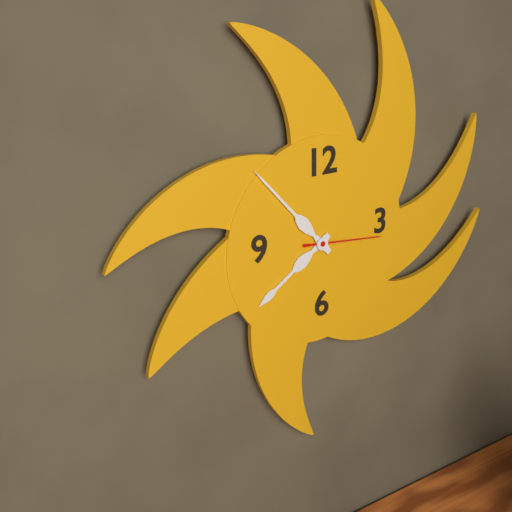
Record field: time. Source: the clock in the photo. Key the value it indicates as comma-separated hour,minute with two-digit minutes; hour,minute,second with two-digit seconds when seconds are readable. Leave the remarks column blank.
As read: 7,53,16
